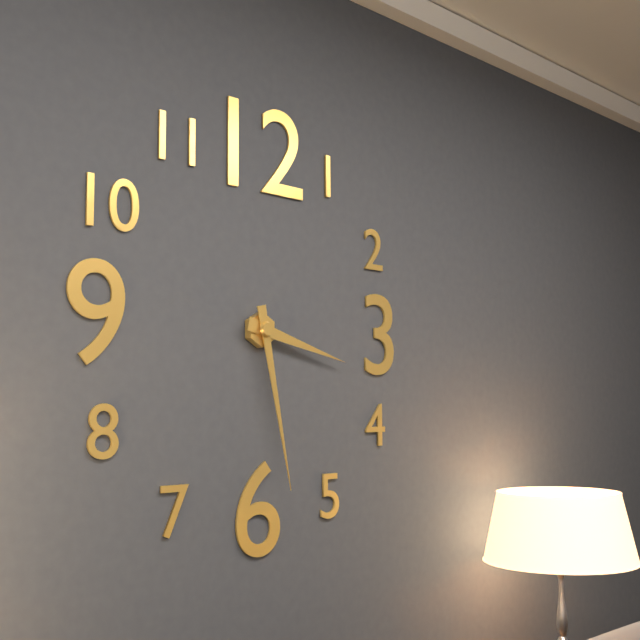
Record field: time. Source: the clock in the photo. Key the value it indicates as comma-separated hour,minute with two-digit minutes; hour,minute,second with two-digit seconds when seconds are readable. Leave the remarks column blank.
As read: 3,28
